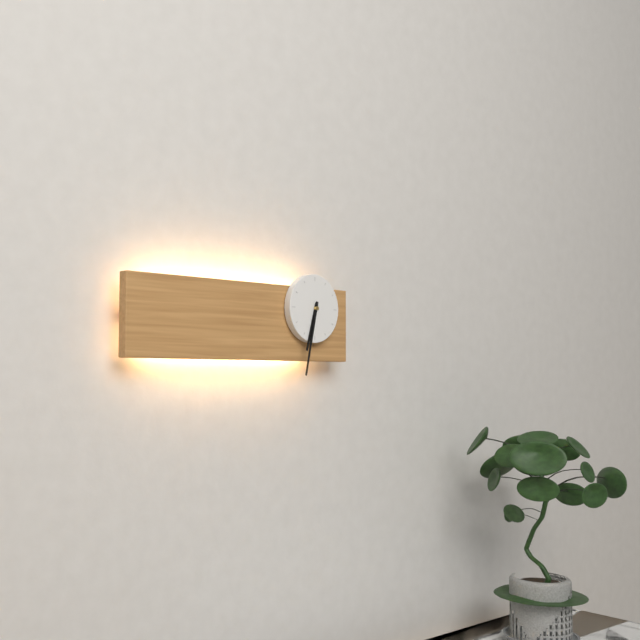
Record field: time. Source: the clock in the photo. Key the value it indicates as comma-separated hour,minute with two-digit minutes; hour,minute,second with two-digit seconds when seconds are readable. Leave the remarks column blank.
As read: 6,32
